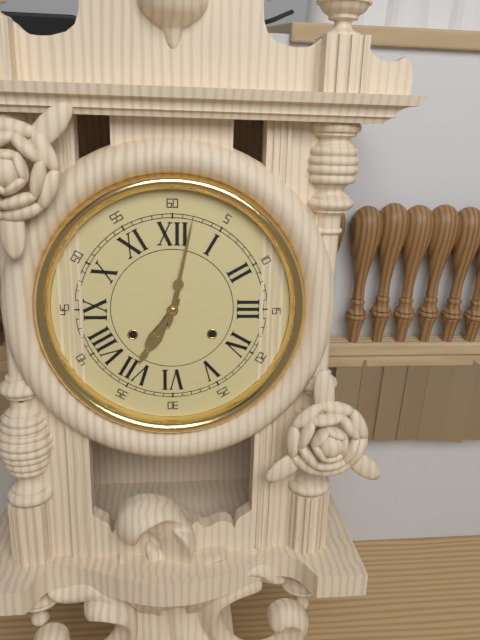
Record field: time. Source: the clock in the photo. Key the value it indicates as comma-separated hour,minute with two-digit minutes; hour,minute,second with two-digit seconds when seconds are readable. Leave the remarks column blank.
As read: 7,02
